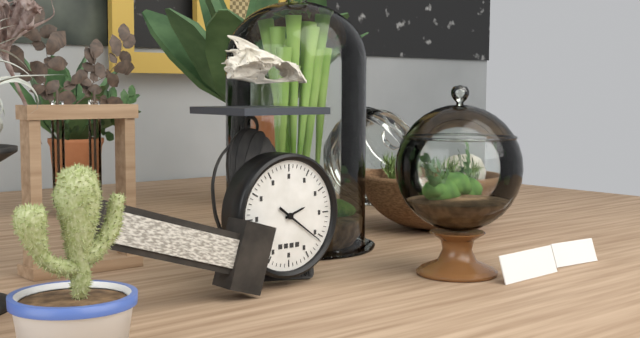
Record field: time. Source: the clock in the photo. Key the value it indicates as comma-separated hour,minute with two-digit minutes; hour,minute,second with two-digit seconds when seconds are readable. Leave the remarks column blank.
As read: 2,21
